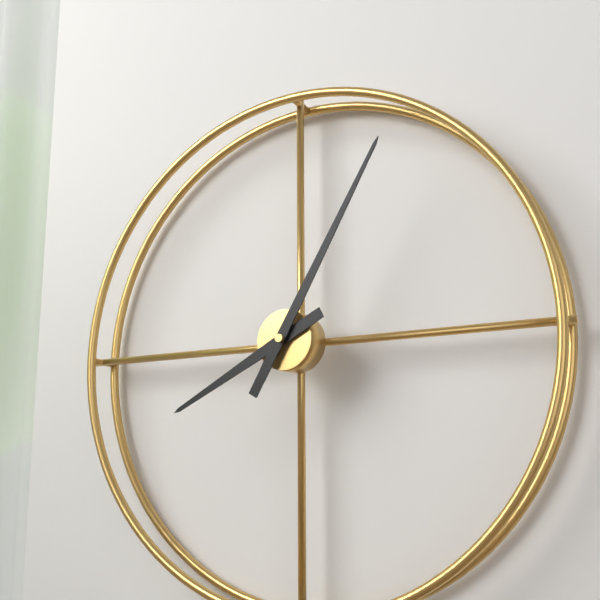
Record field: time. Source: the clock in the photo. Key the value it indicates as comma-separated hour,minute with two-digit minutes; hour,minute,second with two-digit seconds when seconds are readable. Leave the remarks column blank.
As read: 8,05
